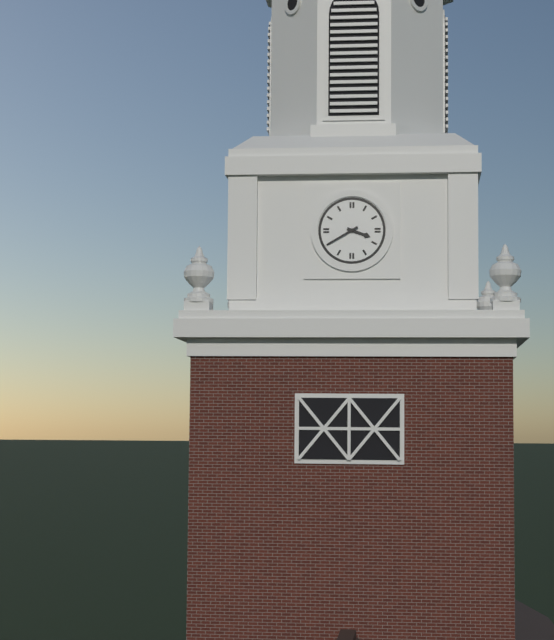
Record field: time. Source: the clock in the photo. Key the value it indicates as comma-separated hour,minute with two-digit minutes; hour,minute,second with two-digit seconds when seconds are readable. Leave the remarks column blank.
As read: 3,40
